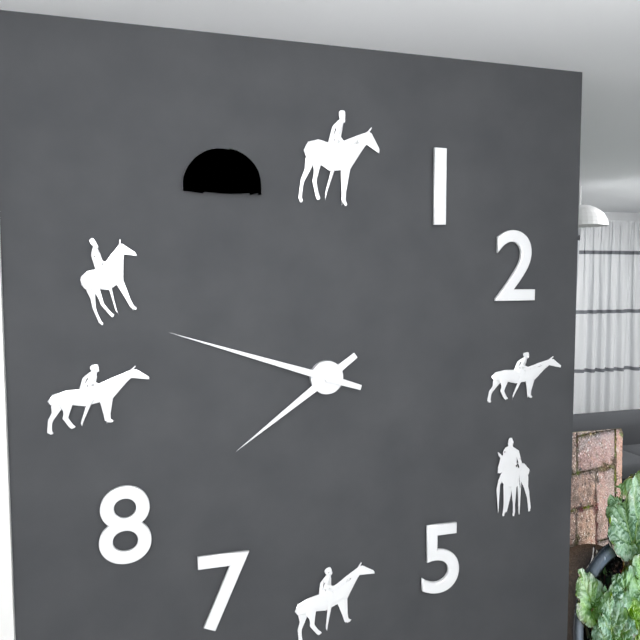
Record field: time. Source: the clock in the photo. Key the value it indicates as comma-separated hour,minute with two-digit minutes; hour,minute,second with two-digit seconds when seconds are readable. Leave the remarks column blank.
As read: 7,48
